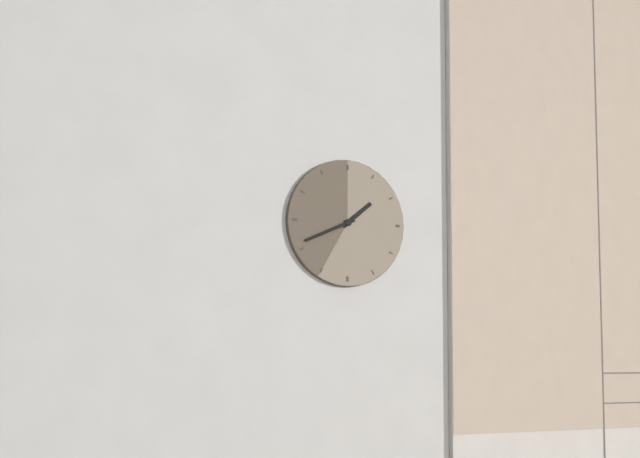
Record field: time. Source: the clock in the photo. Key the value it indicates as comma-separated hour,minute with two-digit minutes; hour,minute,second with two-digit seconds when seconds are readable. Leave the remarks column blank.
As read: 1,41
